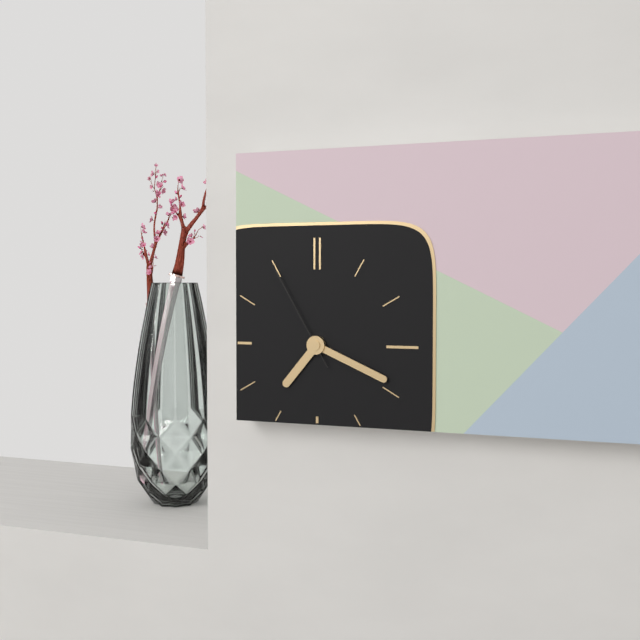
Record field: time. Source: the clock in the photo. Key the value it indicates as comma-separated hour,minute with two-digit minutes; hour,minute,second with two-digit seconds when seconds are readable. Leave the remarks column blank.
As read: 7,19,55
